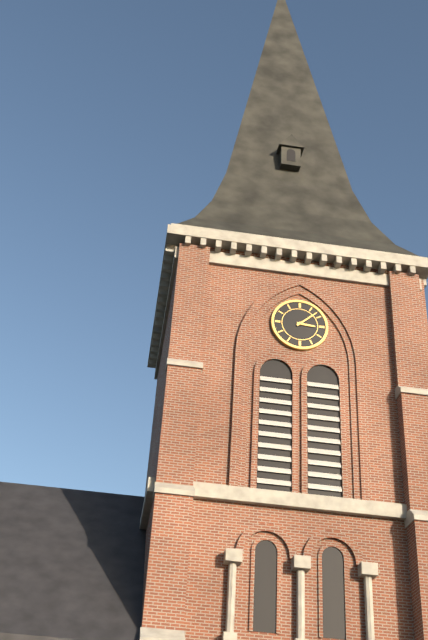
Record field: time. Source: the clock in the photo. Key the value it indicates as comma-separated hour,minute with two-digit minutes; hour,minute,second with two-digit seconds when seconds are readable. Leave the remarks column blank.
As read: 3,08
